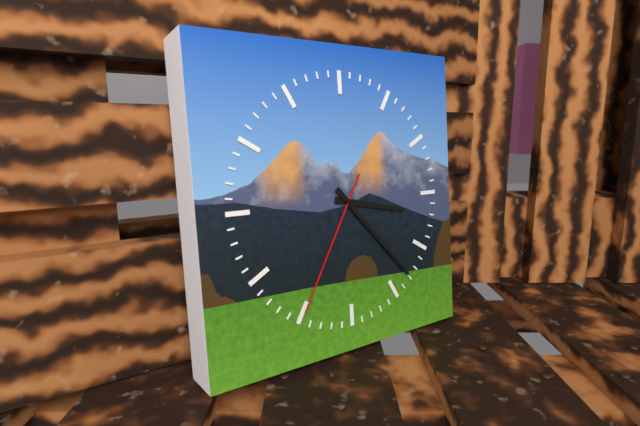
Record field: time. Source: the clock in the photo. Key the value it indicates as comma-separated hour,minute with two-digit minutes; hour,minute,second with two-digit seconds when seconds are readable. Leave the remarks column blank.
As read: 3,23,35
